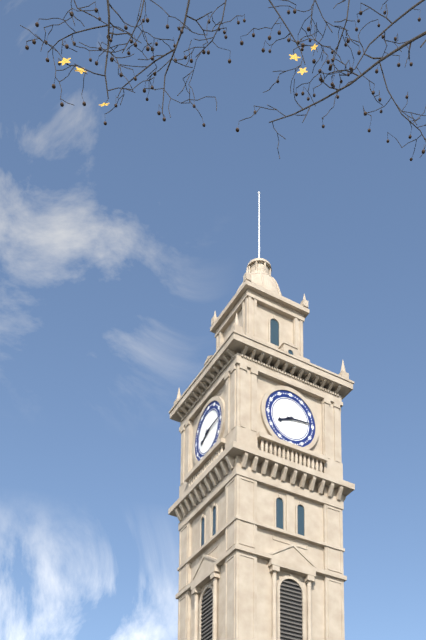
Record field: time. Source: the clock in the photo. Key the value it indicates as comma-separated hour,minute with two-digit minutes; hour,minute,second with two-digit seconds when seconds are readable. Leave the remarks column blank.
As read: 8,14
